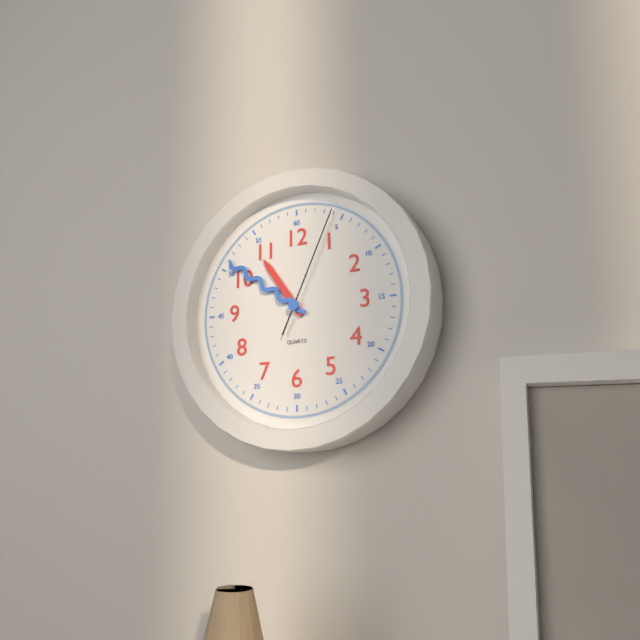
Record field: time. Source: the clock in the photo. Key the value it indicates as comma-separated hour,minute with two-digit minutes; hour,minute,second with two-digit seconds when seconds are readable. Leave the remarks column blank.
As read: 10,51,04
